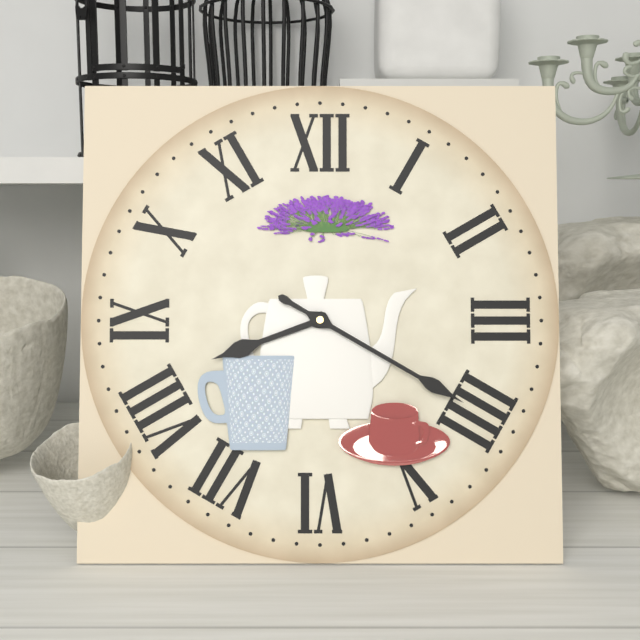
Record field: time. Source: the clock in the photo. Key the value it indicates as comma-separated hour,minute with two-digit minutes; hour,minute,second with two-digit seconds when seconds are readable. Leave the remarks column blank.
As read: 8,20
